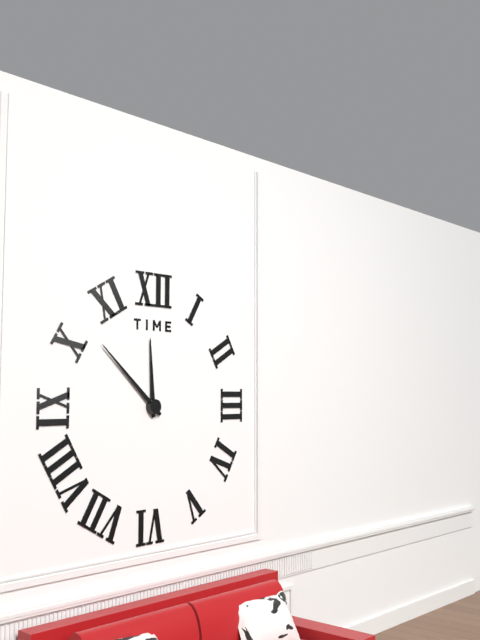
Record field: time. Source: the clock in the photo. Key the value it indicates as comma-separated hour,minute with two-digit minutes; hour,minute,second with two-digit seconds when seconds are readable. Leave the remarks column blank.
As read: 11,52
